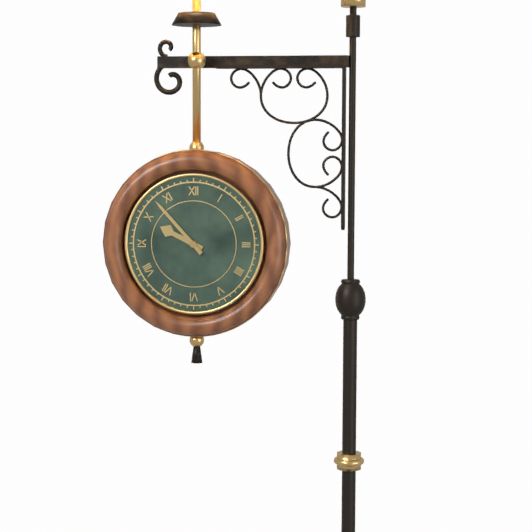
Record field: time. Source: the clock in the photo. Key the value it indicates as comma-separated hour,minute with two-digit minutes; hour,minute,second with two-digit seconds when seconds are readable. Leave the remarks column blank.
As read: 9,53
